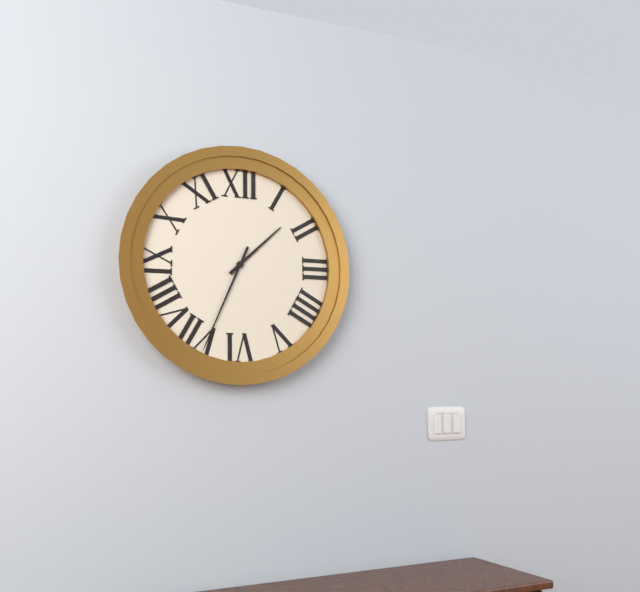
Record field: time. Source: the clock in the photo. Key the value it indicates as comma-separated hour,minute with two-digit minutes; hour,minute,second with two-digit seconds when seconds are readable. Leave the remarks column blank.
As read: 1,34
